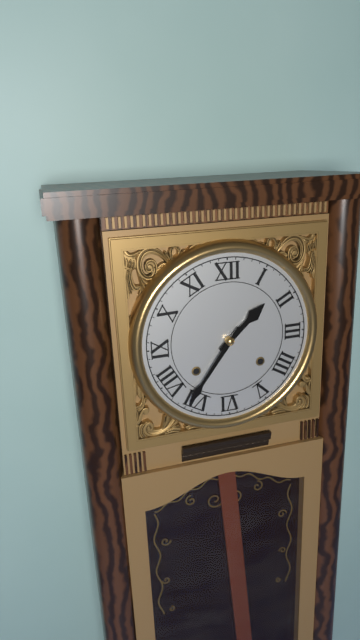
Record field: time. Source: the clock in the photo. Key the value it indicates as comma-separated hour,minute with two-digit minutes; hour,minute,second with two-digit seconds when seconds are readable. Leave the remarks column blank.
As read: 1,36
